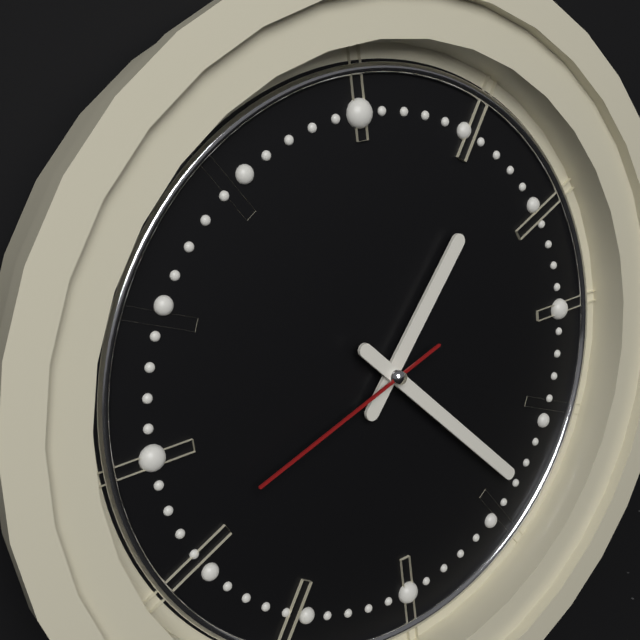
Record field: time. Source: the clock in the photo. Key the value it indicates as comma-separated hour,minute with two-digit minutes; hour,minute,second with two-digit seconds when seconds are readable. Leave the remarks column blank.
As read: 1,23,42
